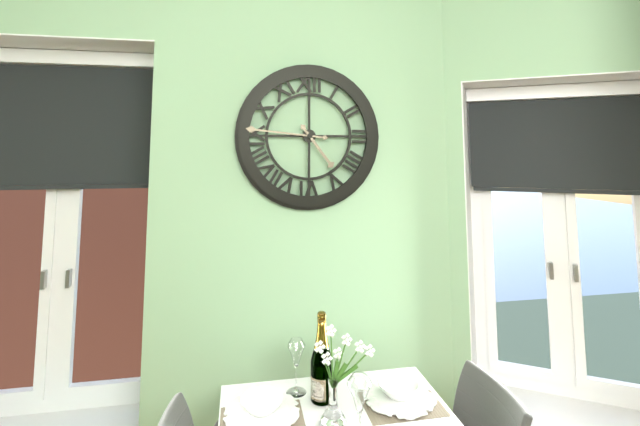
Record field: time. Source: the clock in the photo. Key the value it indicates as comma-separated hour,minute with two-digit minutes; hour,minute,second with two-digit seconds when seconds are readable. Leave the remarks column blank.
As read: 4,46
